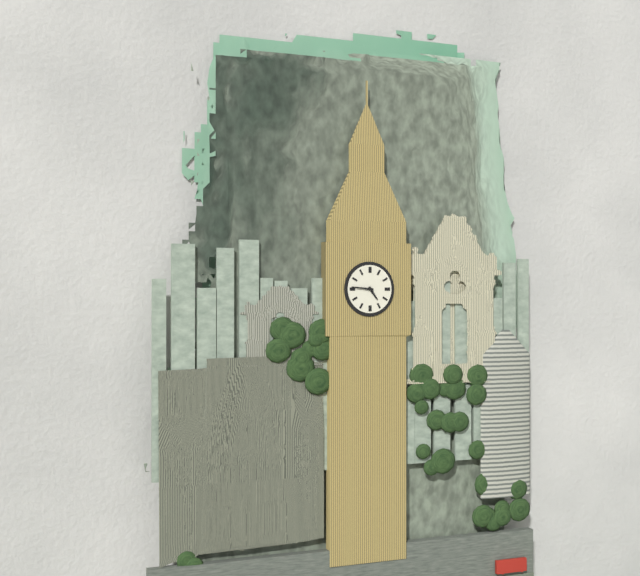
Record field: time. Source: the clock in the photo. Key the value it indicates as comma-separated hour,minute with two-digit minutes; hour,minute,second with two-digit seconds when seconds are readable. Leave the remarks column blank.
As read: 4,46
